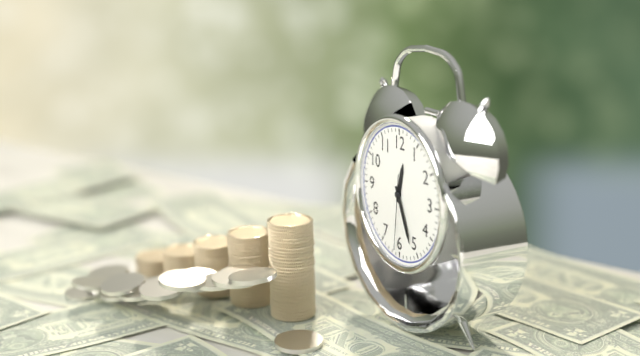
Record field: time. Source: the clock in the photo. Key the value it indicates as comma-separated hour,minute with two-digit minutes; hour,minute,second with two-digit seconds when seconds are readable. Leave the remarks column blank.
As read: 12,26,31
